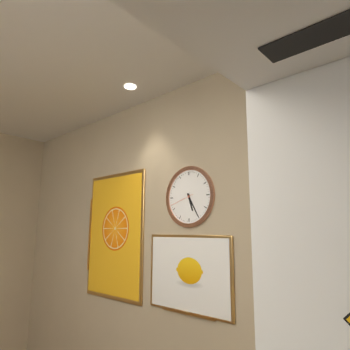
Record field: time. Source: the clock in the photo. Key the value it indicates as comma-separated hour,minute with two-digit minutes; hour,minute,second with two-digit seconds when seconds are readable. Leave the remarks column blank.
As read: 5,25
